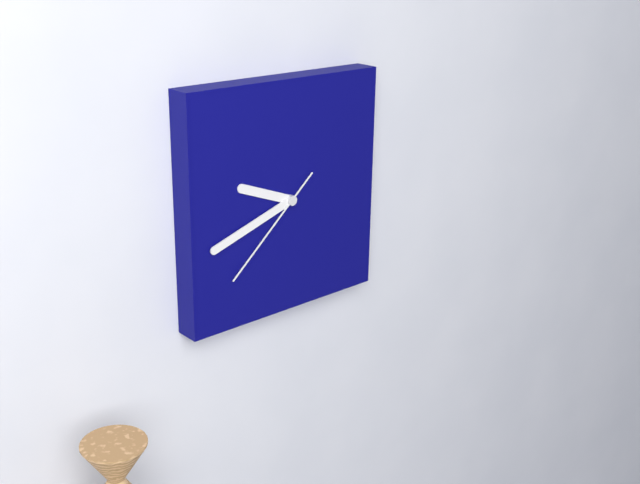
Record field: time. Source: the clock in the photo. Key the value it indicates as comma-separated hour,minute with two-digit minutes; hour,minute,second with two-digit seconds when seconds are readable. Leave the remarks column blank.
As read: 9,42,38
